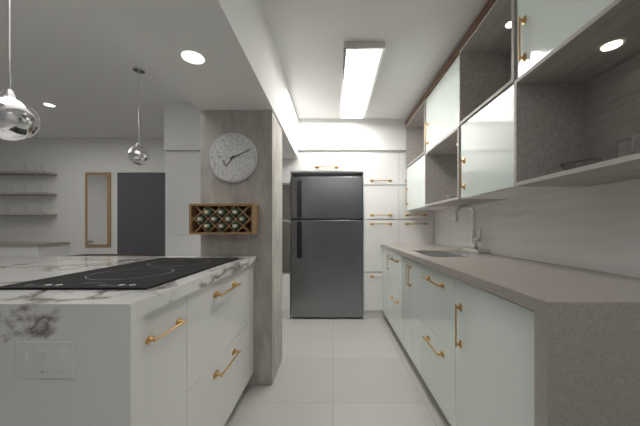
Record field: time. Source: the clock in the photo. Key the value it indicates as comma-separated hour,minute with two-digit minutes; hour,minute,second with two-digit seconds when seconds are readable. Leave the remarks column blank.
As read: 7,11
